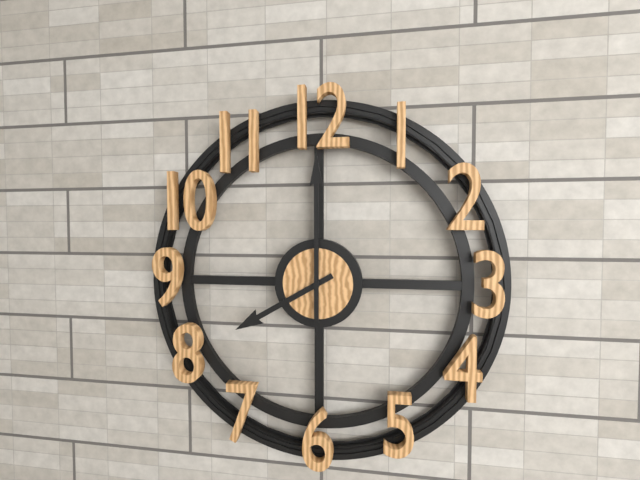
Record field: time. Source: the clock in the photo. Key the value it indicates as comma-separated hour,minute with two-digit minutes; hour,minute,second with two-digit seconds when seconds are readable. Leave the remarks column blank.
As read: 8,00
